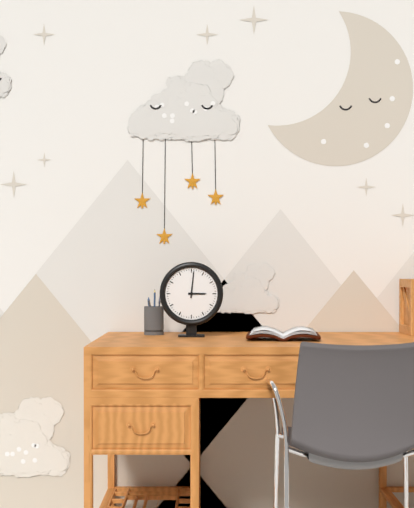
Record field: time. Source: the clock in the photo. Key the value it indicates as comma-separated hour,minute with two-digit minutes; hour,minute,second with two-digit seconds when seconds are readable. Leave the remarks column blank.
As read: 3,01
